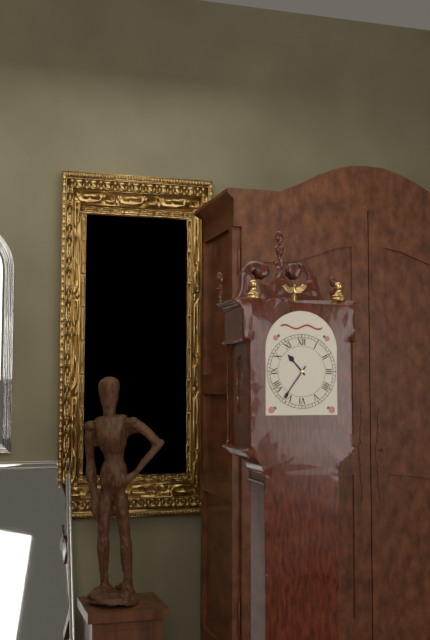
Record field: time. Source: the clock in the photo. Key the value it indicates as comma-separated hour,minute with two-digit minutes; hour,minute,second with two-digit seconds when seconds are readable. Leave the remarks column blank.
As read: 10,36
